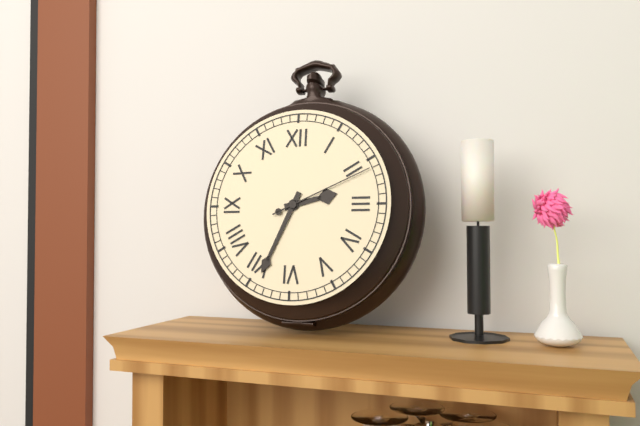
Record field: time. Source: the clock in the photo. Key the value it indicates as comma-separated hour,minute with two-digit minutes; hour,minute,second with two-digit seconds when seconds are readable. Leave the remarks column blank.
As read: 2,34,11
